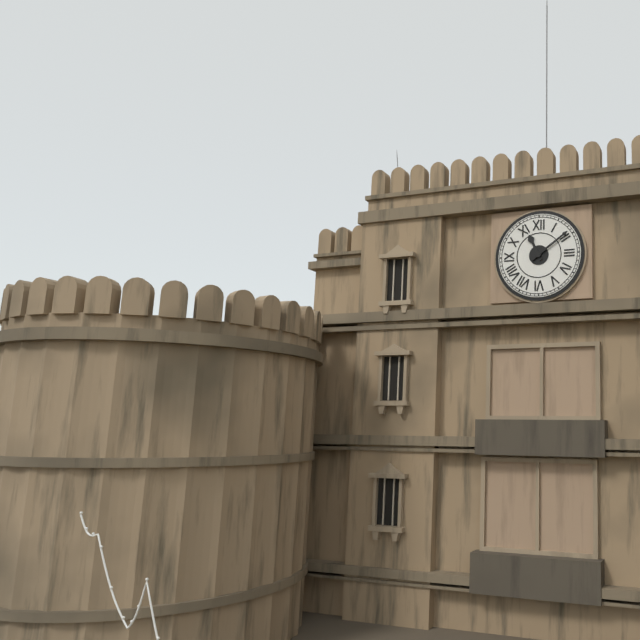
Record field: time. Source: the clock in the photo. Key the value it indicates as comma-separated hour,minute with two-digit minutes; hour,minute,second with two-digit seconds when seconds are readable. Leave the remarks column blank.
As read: 11,09
